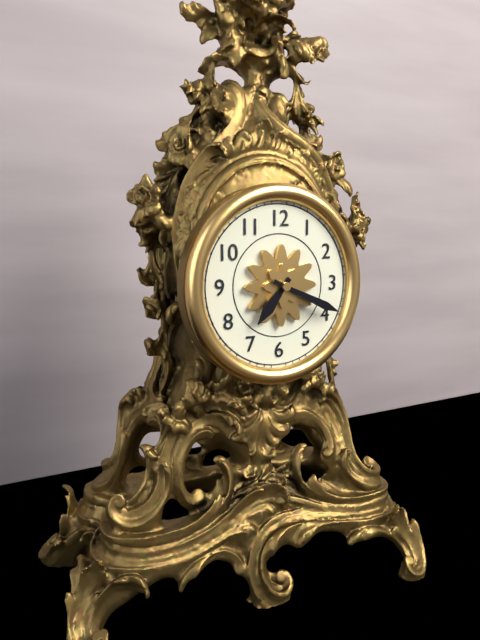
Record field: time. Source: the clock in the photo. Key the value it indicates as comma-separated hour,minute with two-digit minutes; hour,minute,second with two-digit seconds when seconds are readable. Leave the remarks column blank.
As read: 7,19
